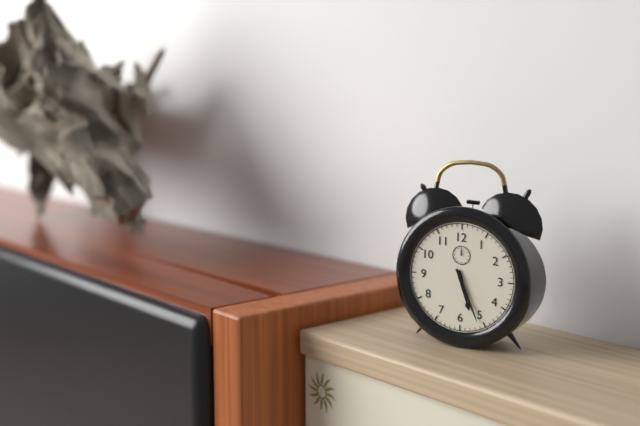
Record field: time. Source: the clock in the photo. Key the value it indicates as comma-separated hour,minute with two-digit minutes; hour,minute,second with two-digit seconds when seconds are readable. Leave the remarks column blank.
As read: 5,26
